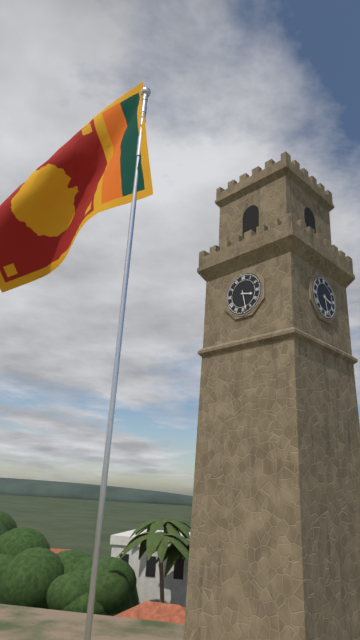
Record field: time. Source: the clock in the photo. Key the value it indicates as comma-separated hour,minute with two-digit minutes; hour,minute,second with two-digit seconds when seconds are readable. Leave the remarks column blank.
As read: 3,28
